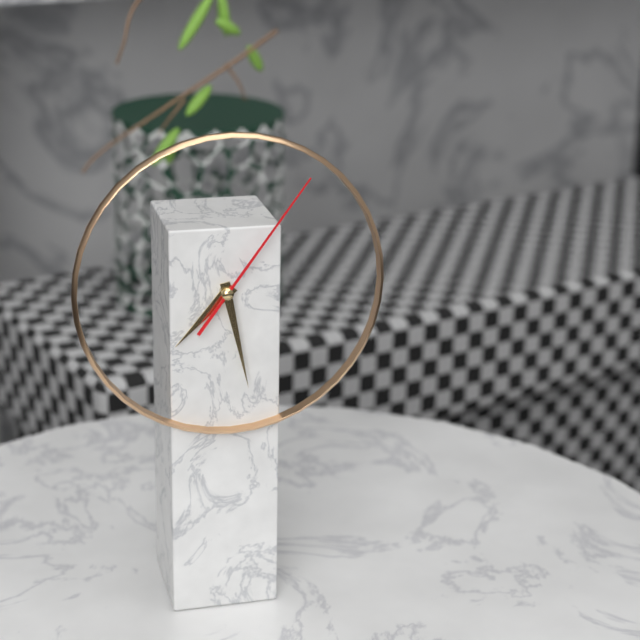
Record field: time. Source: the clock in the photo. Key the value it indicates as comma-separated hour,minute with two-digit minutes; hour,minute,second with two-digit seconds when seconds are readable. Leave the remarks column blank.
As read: 7,28,06
